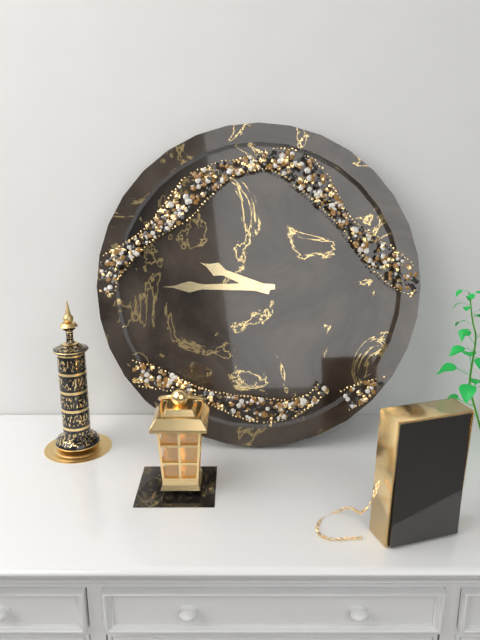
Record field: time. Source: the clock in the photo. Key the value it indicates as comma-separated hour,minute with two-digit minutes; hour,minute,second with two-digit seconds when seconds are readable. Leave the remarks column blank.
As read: 9,45
